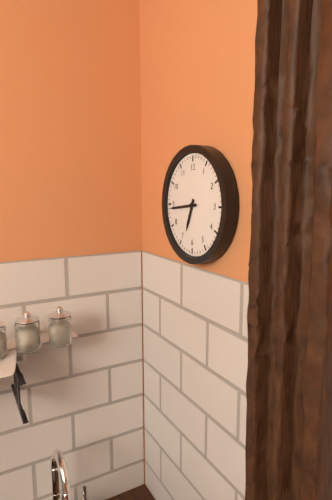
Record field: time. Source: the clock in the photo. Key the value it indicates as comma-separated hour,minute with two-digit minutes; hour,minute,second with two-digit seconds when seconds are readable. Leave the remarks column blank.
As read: 6,44
